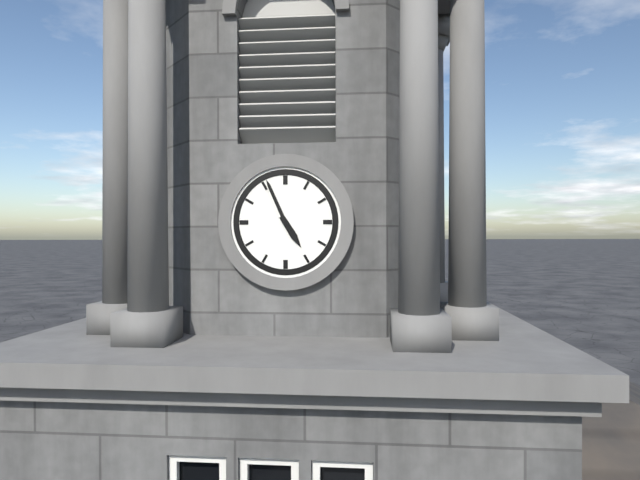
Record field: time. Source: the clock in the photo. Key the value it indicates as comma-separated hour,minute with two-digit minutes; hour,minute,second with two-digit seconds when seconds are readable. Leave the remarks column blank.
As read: 4,56
